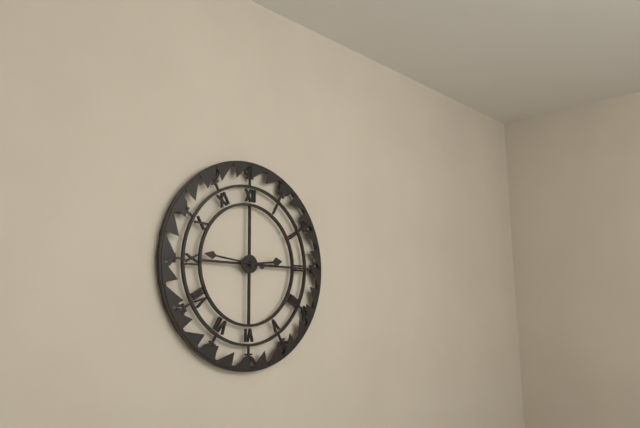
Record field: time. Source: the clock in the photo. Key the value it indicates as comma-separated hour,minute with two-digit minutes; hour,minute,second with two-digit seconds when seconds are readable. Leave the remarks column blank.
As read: 2,46
